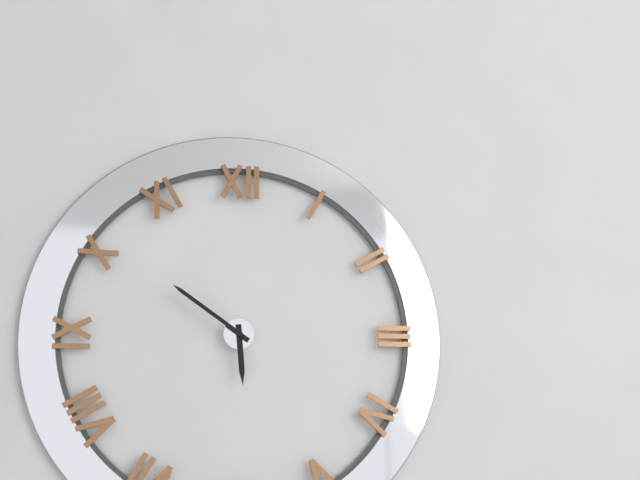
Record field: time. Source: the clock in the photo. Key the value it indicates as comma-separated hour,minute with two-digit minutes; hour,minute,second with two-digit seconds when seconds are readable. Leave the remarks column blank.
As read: 5,51
